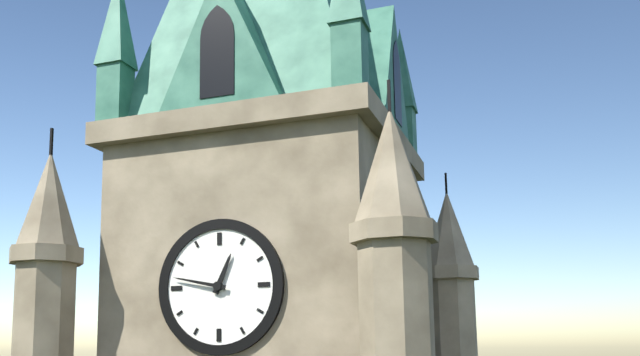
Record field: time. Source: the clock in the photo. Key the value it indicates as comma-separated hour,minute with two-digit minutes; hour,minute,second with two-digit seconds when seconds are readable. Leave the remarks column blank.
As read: 12,47
